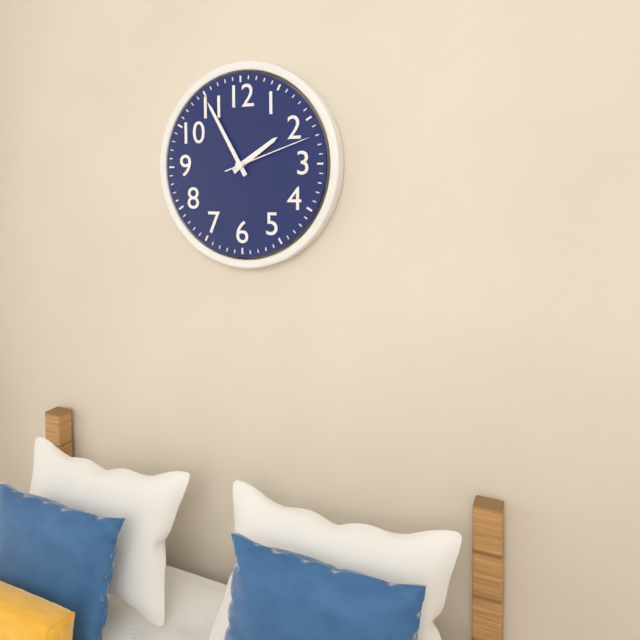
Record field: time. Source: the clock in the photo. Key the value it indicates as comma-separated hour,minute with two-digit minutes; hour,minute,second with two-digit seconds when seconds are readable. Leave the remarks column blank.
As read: 1,55,12
